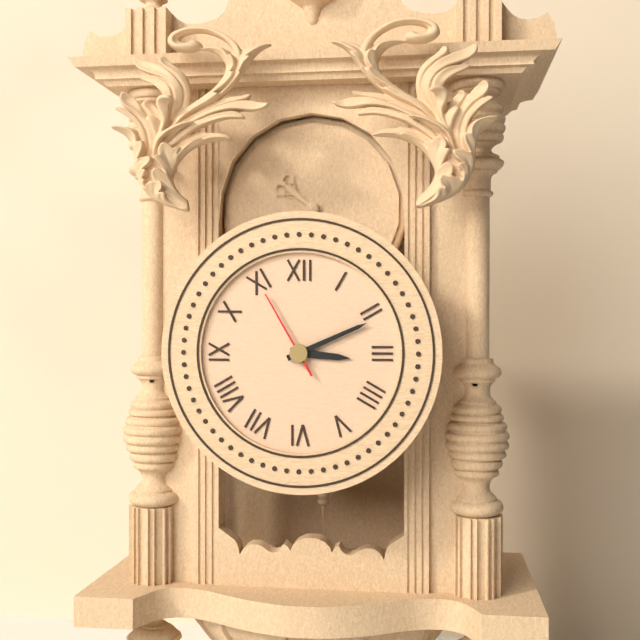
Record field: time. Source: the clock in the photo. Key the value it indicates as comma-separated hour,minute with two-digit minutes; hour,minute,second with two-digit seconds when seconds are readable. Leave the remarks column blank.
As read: 3,11,55
